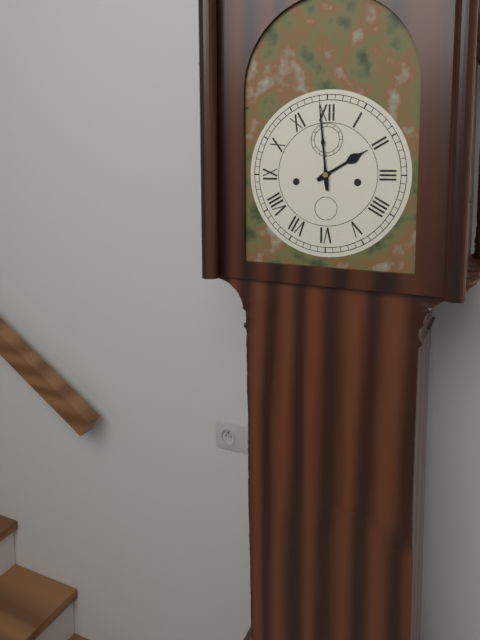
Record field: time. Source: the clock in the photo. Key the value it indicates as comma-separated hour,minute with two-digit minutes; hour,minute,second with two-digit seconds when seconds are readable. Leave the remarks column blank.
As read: 1,59
